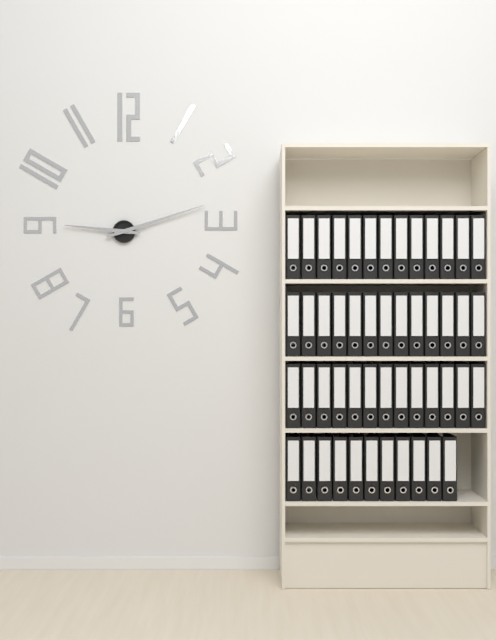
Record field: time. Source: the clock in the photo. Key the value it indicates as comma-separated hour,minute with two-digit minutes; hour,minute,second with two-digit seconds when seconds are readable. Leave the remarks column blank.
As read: 9,12
